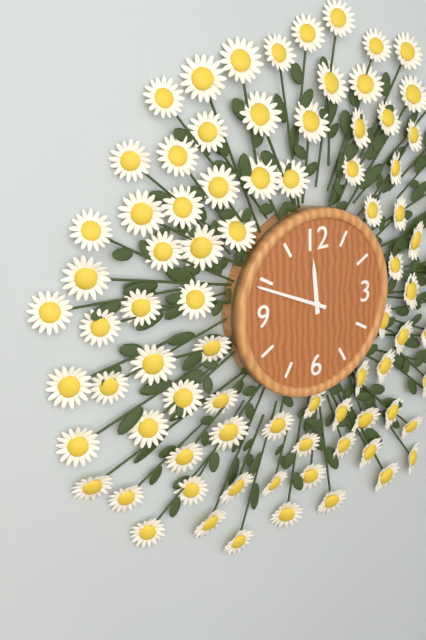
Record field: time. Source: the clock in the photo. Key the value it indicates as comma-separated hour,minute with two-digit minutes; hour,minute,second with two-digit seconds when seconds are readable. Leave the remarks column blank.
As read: 11,49
